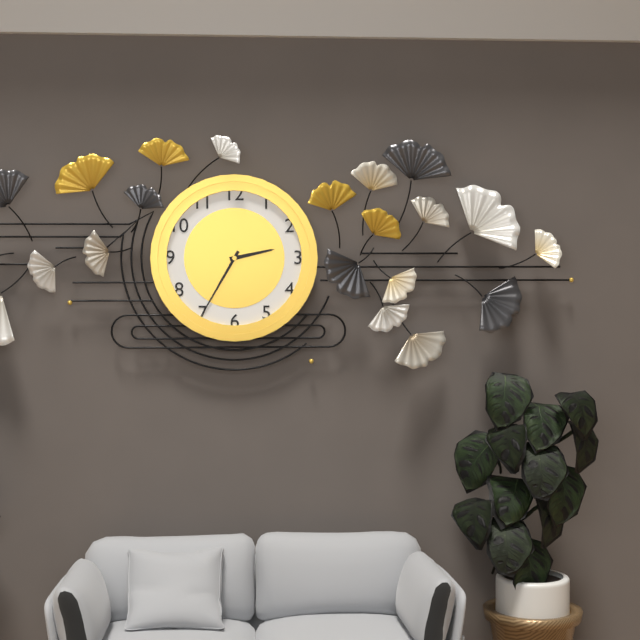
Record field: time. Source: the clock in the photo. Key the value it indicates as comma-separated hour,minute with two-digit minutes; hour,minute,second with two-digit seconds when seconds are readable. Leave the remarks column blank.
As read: 2,35
